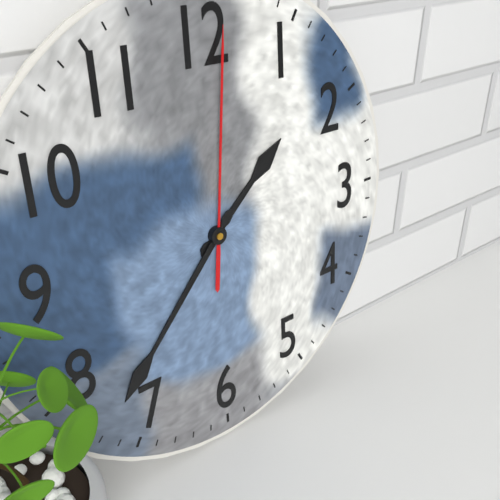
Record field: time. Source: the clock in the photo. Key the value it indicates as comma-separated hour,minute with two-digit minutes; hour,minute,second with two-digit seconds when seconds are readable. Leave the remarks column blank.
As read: 1,37,01
